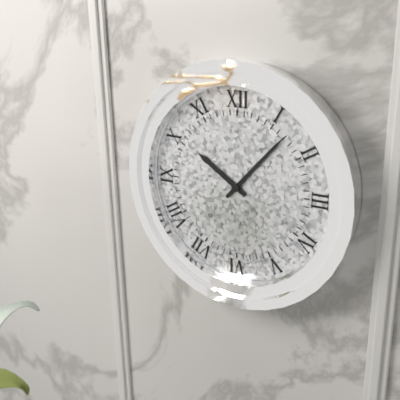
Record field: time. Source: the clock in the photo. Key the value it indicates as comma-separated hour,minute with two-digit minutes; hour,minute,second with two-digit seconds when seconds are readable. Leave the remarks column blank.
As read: 10,07
